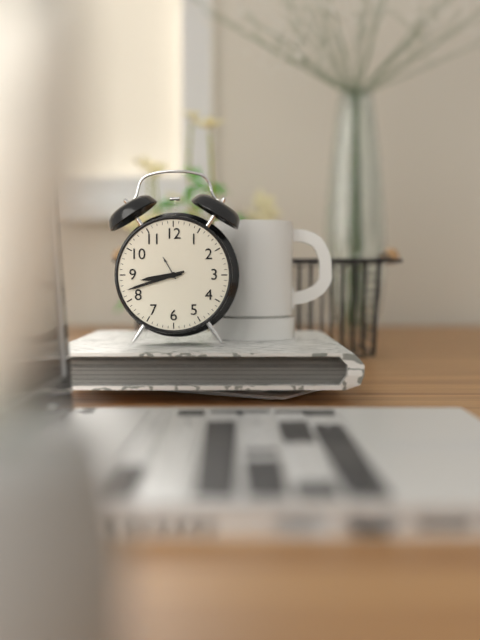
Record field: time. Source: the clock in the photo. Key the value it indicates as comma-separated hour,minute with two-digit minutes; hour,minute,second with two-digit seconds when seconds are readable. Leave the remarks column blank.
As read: 8,42
